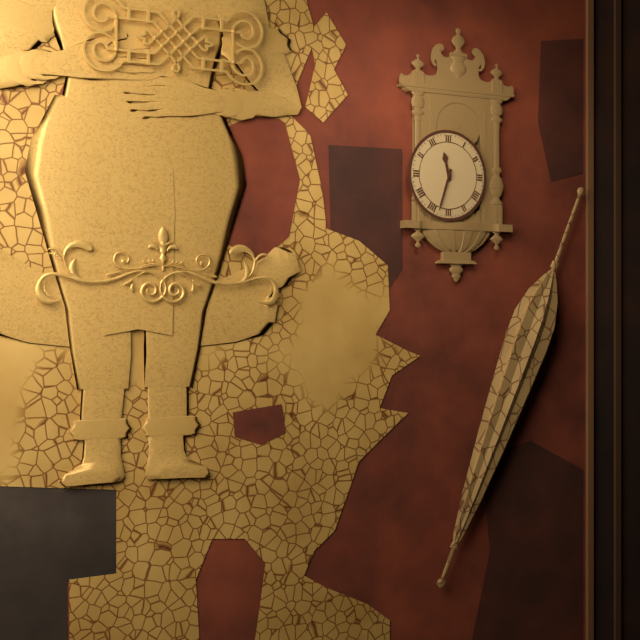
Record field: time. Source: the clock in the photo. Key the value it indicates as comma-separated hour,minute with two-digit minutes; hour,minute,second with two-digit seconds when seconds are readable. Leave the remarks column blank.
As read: 11,33
